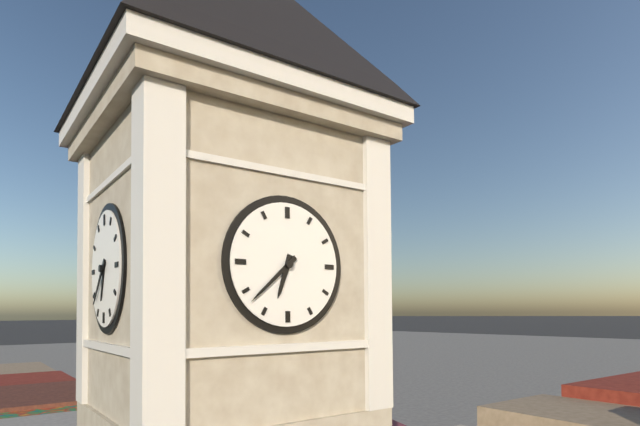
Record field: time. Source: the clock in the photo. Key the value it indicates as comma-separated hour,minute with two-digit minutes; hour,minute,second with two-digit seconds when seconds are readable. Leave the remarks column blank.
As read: 6,38
